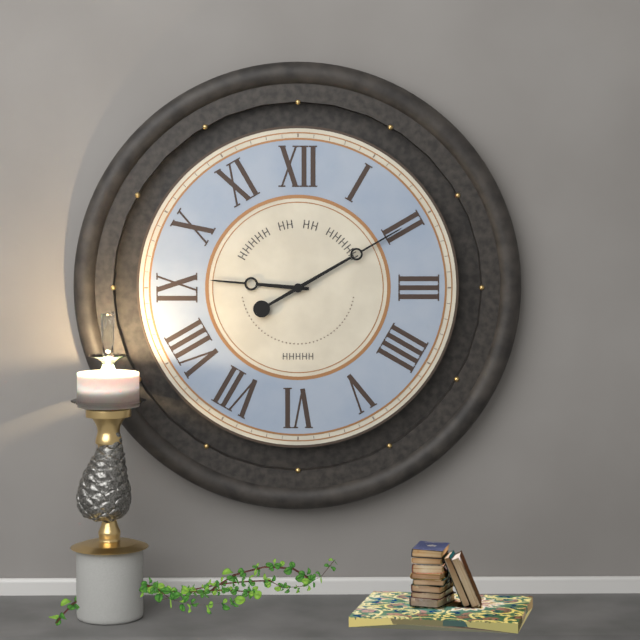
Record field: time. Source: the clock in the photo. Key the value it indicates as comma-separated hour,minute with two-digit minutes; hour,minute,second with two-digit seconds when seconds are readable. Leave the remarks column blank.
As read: 9,10
